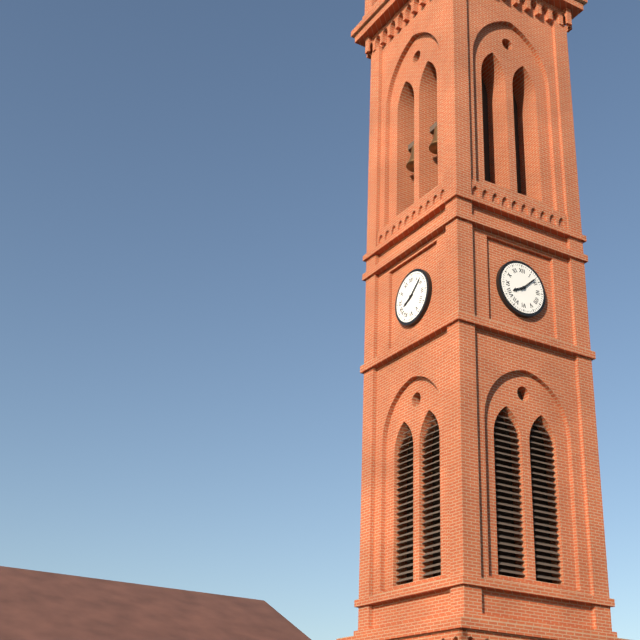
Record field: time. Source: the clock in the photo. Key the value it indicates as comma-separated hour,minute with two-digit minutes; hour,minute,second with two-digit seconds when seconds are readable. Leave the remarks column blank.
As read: 8,08
